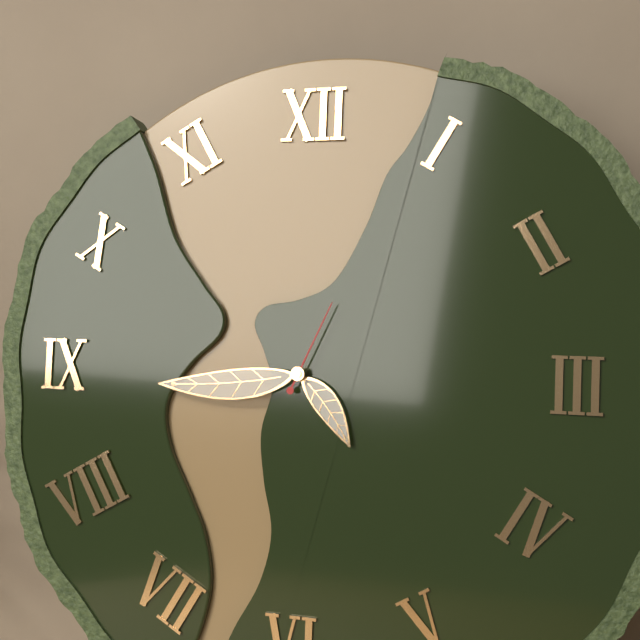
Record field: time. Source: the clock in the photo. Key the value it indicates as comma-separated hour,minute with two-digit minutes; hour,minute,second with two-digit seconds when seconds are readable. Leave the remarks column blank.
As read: 4,44,04
